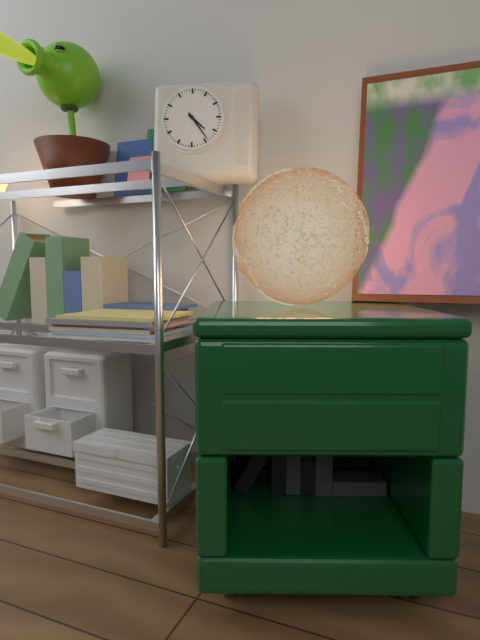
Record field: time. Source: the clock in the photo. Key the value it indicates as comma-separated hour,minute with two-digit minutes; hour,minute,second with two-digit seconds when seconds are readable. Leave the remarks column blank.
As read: 4,24
